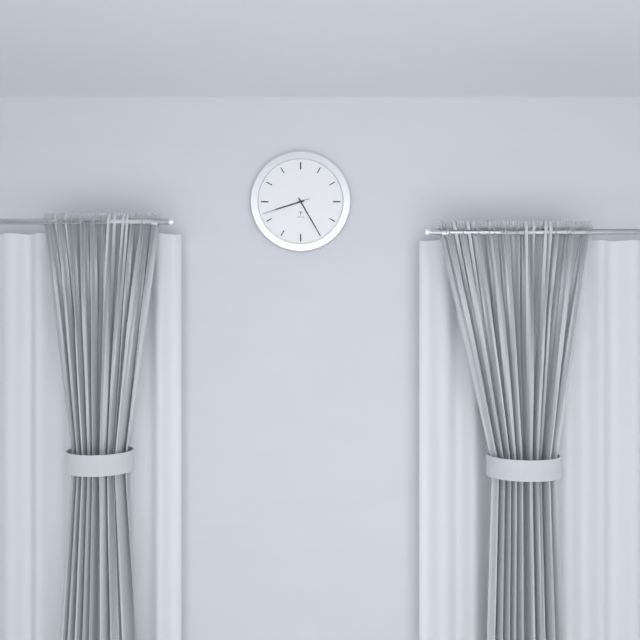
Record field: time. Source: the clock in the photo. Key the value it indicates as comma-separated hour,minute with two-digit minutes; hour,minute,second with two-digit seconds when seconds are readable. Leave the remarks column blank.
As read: 8,25
